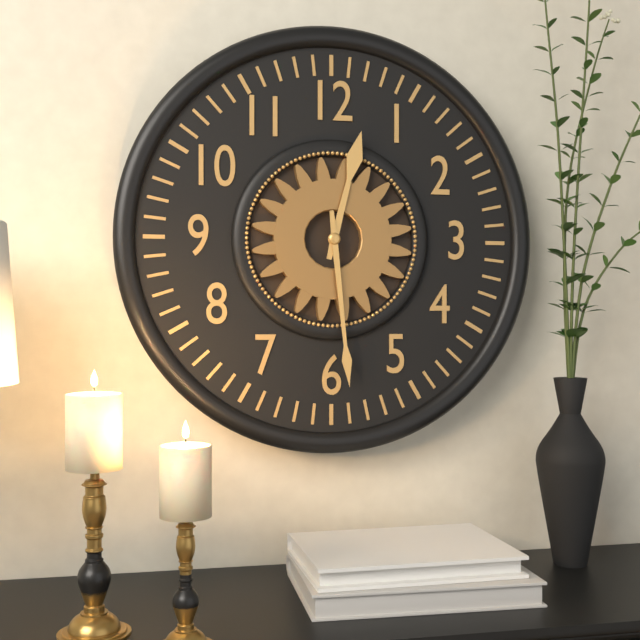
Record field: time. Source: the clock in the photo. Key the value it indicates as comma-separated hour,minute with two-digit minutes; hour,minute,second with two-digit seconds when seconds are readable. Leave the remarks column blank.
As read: 12,29
